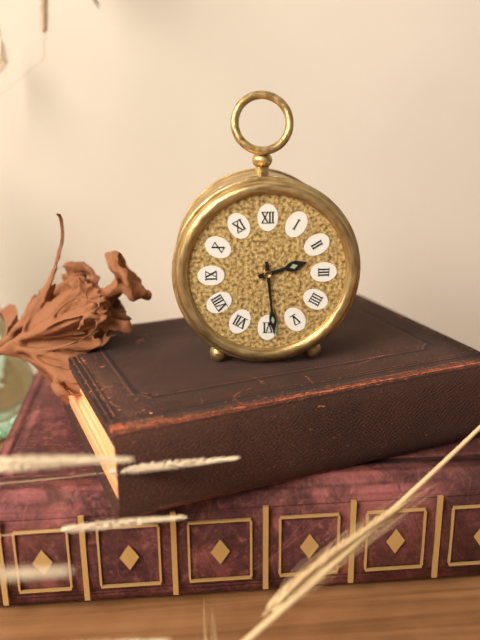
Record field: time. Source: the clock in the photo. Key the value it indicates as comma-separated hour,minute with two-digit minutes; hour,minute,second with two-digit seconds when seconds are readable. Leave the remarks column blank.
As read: 2,29
